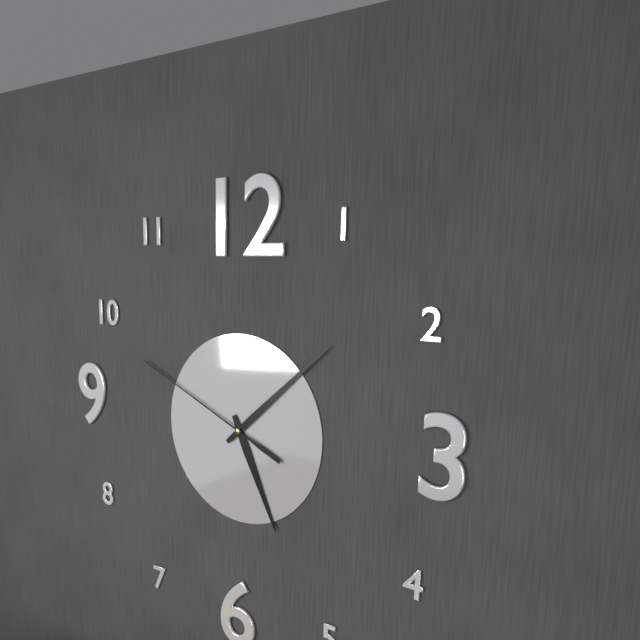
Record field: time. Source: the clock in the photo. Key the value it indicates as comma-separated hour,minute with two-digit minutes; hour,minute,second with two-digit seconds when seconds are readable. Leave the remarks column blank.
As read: 5,08,49
